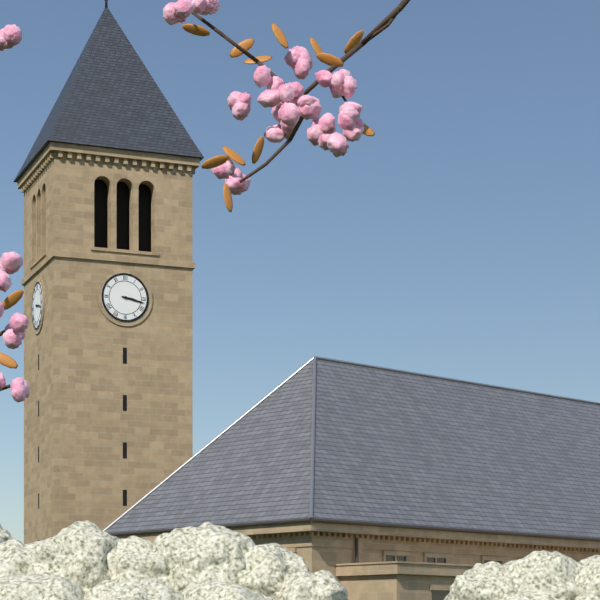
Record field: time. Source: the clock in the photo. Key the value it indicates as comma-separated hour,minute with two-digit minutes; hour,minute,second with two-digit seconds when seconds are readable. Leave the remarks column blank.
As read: 3,17
